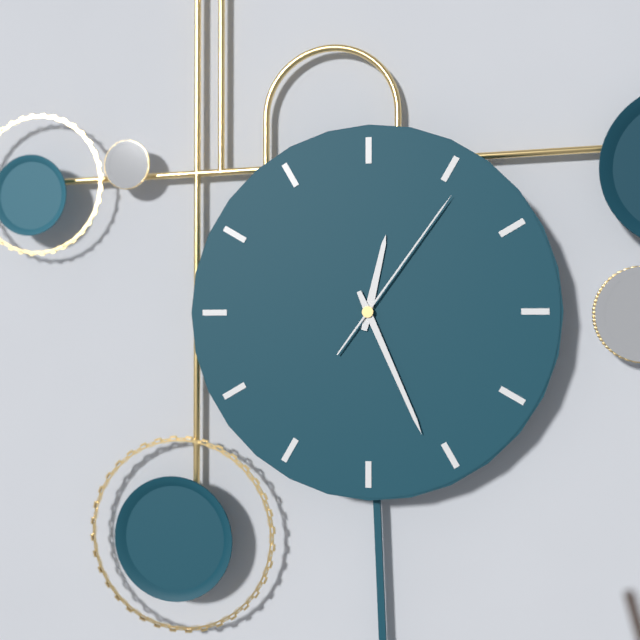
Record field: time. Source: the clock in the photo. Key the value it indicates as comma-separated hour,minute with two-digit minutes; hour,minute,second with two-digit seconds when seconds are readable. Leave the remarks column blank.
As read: 12,26,06
